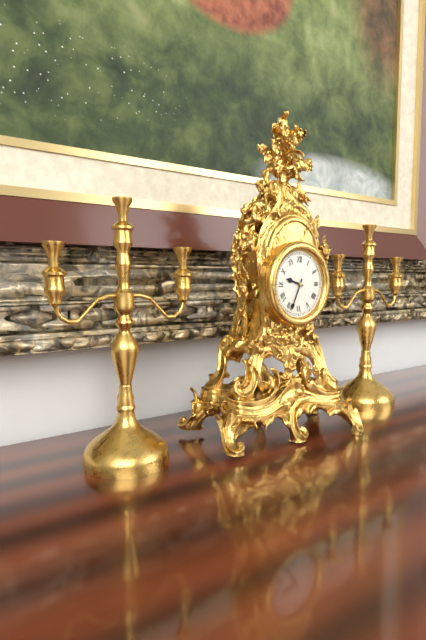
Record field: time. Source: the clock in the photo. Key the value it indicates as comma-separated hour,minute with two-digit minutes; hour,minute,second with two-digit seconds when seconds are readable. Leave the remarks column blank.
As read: 9,34
